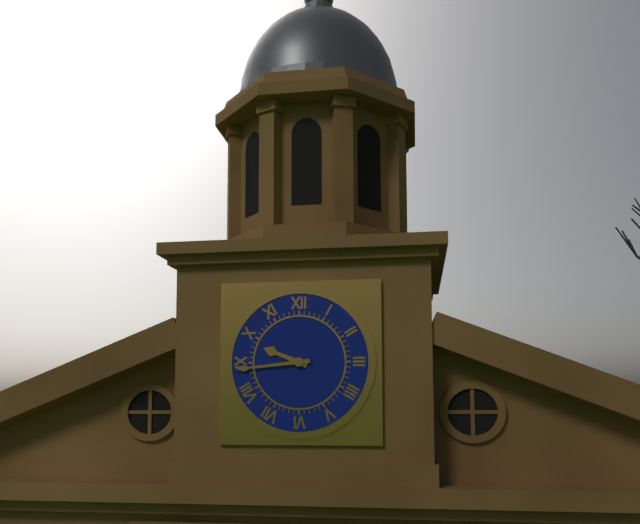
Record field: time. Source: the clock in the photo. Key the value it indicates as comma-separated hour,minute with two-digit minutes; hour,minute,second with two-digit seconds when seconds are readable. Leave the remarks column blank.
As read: 9,44
